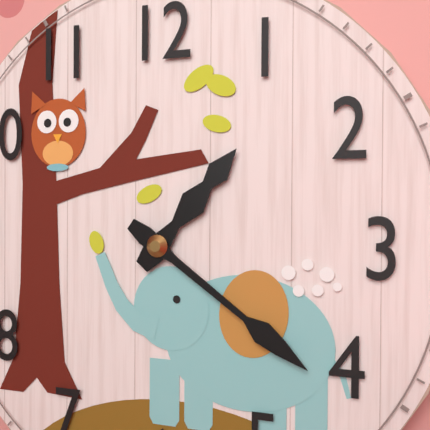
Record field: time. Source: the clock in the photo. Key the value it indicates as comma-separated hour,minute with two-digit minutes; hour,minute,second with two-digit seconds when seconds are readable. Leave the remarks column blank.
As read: 1,21
